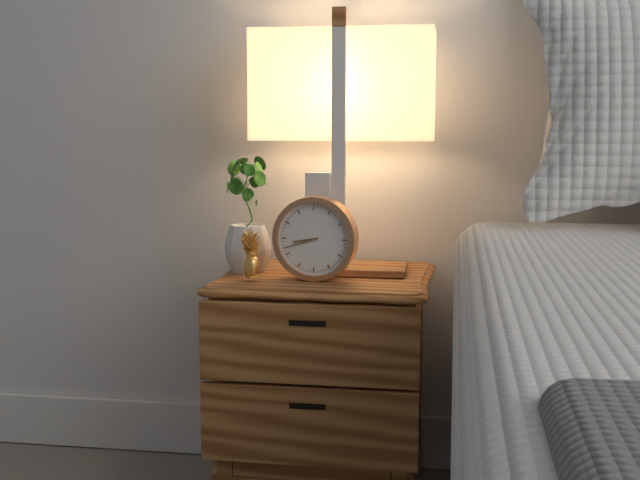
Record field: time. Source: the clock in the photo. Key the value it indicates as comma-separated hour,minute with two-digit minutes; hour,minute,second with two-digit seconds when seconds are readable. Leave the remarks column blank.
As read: 8,42
